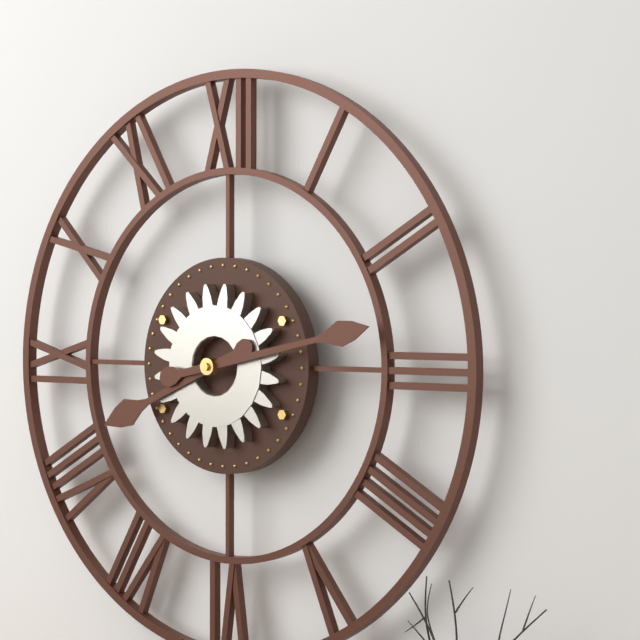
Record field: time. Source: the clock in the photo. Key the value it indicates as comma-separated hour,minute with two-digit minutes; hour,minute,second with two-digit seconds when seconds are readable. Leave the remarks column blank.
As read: 8,13
